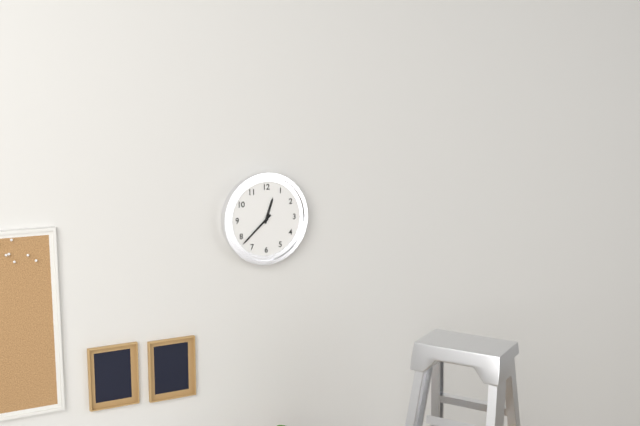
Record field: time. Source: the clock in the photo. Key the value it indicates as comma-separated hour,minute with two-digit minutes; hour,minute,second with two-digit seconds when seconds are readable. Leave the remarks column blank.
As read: 12,38
